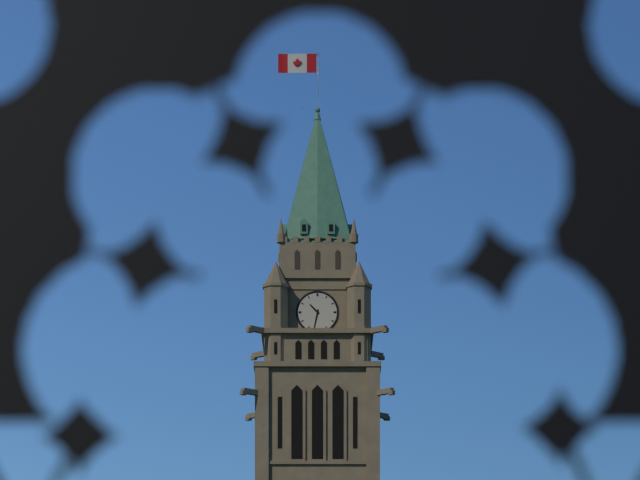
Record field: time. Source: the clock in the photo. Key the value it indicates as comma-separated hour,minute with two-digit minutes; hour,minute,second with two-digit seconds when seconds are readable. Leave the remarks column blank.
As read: 10,32
